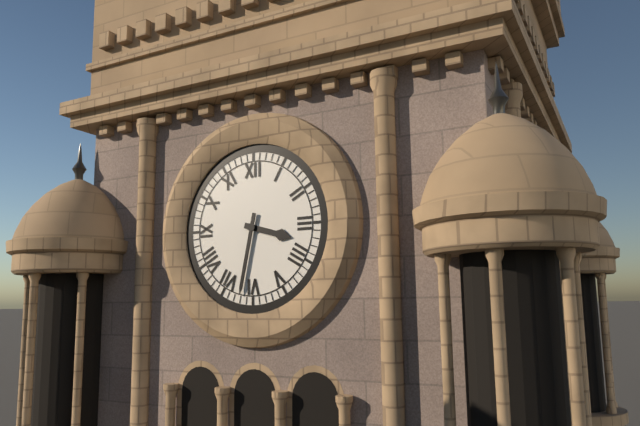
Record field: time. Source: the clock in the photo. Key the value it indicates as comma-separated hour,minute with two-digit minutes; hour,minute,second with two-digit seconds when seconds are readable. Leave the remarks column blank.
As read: 3,32
